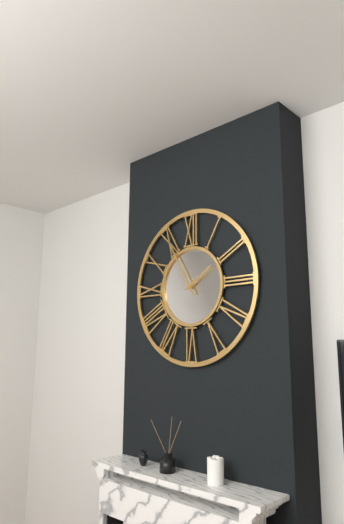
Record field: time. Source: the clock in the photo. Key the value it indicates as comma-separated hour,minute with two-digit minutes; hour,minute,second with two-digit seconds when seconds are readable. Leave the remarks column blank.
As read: 1,55
